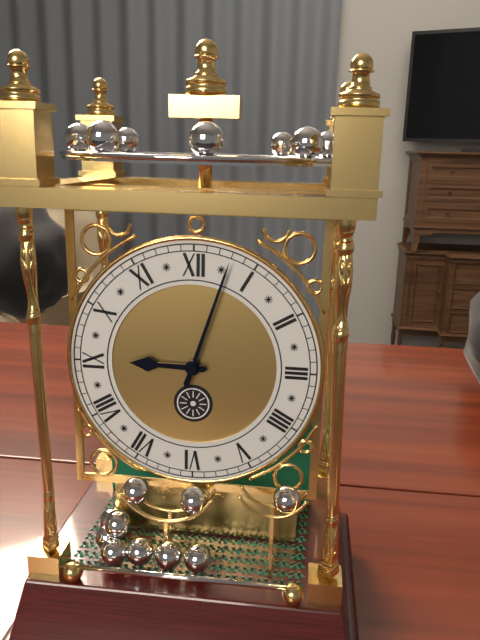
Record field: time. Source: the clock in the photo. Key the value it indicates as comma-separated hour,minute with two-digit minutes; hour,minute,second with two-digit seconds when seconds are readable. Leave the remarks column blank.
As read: 9,03
